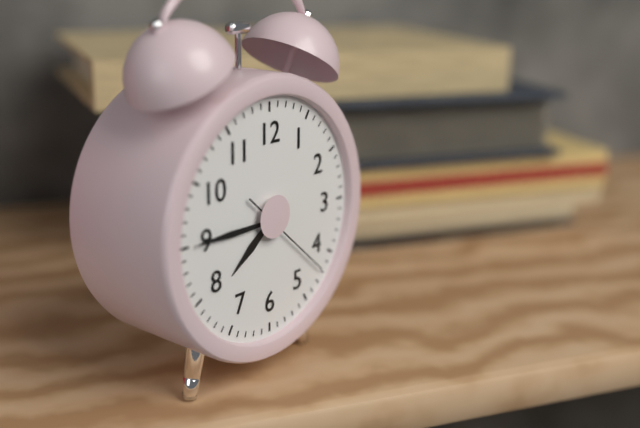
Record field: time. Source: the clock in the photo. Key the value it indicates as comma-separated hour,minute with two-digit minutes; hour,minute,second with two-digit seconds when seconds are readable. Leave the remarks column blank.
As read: 7,45,22
